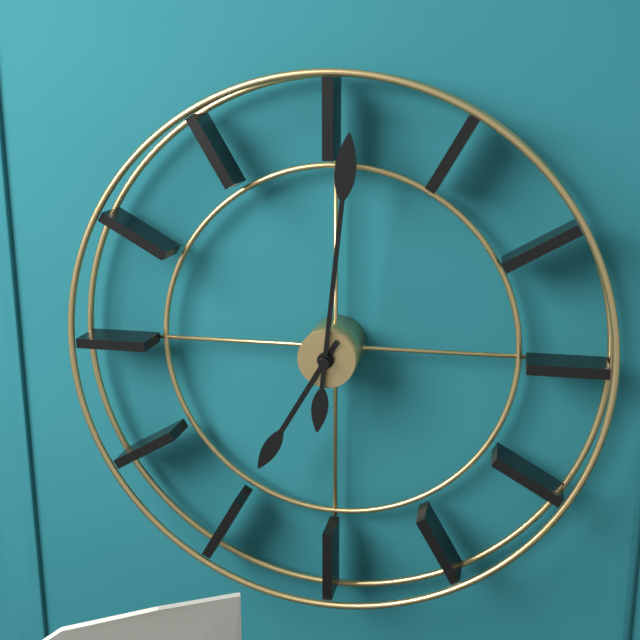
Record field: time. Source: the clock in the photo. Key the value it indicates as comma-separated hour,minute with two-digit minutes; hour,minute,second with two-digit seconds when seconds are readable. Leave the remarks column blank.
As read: 7,01
